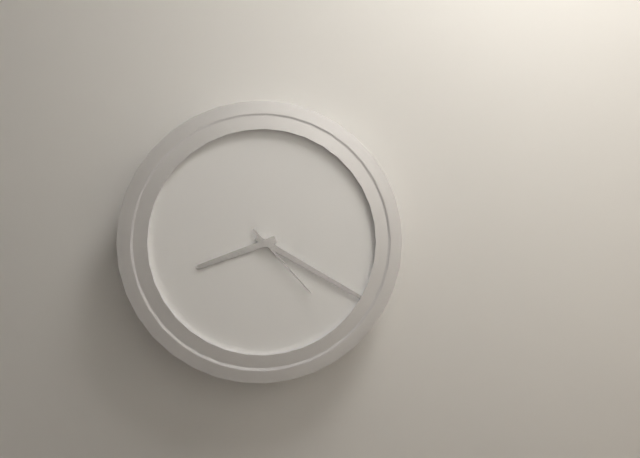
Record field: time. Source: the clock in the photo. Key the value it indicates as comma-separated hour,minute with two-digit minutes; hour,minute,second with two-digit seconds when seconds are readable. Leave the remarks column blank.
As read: 8,20,23
